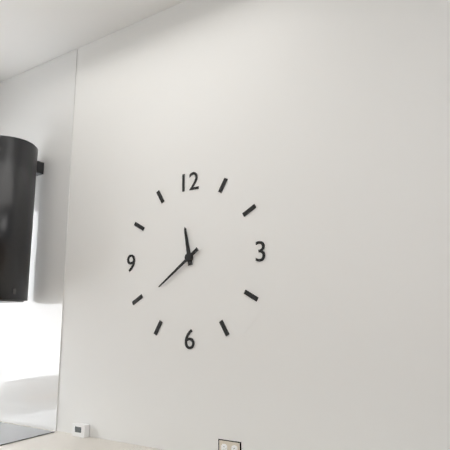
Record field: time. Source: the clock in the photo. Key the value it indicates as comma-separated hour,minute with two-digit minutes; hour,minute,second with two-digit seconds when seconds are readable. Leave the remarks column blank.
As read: 11,39
